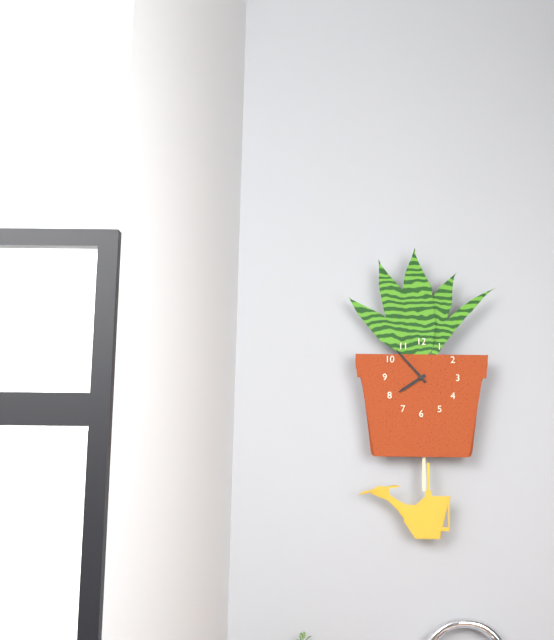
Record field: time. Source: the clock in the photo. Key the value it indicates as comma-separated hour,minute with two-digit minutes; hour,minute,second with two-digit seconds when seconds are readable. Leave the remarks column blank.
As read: 7,53
